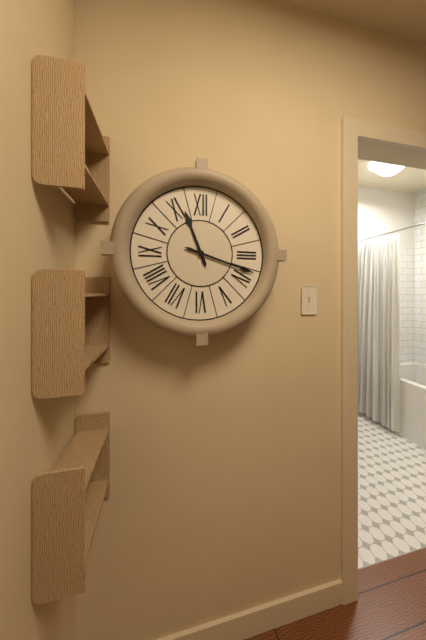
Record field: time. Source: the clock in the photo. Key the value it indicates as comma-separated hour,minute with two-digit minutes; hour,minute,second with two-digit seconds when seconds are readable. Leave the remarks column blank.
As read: 11,18
